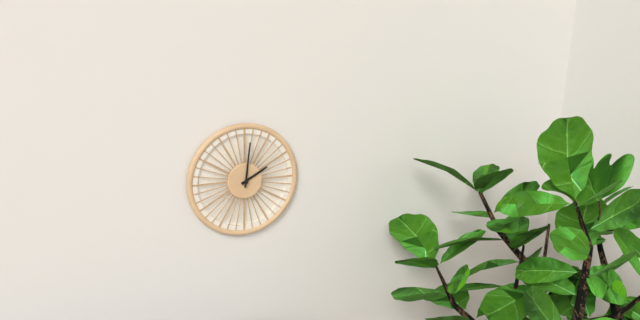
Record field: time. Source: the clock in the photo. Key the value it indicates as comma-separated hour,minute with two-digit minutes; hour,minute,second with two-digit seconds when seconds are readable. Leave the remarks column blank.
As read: 2,01
